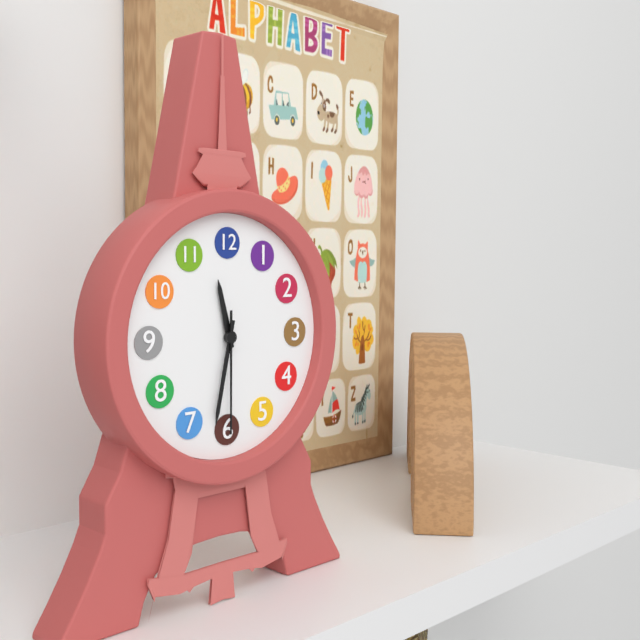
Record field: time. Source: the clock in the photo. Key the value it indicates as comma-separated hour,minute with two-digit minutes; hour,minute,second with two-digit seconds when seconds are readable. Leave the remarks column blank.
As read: 11,32,30
